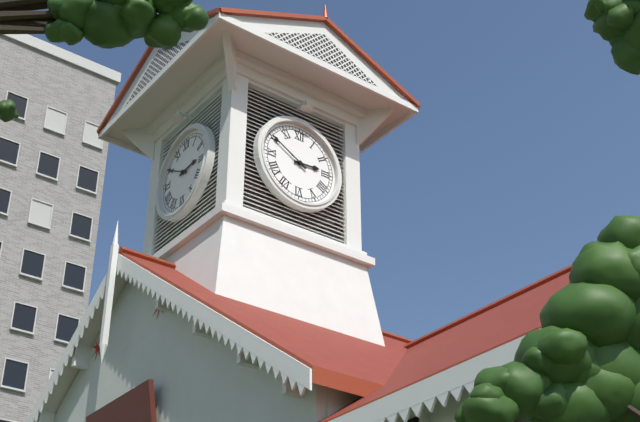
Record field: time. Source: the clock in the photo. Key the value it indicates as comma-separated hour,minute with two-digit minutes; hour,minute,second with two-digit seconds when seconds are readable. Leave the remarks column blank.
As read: 2,50
